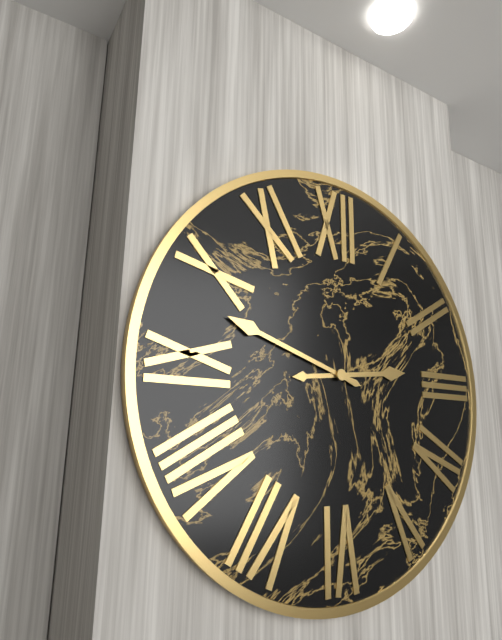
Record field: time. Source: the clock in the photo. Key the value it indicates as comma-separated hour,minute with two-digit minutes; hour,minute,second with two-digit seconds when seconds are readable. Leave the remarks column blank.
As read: 2,48
